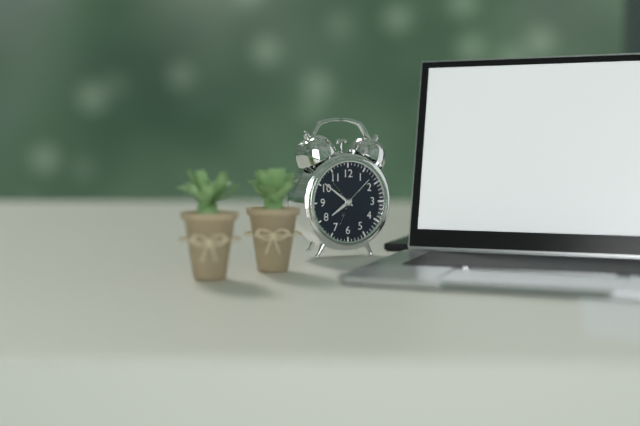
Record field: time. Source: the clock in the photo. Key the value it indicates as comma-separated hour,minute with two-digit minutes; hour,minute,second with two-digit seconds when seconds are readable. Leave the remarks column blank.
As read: 7,51
